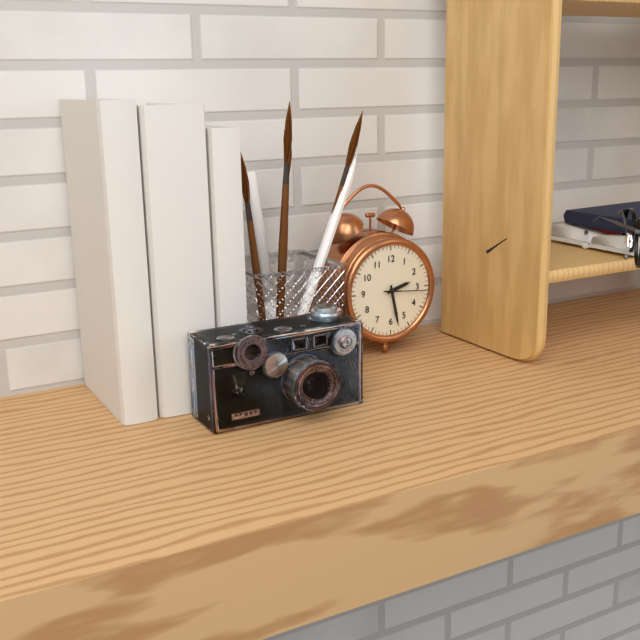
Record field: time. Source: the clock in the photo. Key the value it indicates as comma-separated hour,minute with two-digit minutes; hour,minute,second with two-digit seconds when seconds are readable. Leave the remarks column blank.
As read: 2,28
